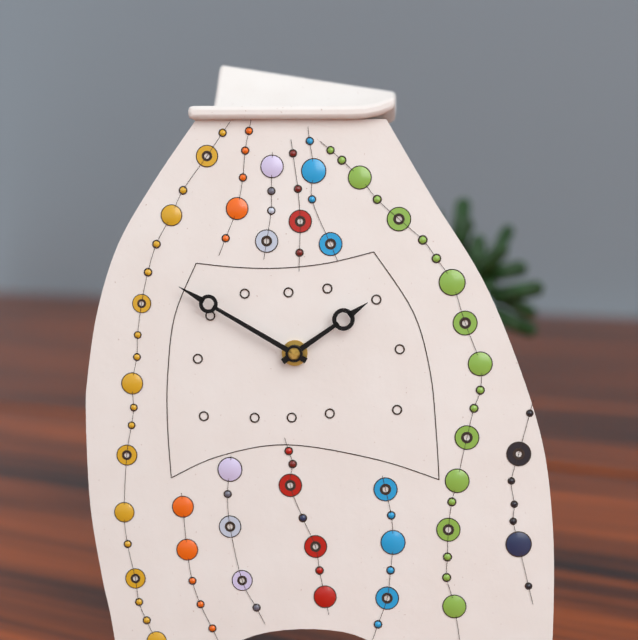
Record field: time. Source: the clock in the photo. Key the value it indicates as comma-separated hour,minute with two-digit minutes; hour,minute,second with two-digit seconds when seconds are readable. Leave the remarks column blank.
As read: 1,50
